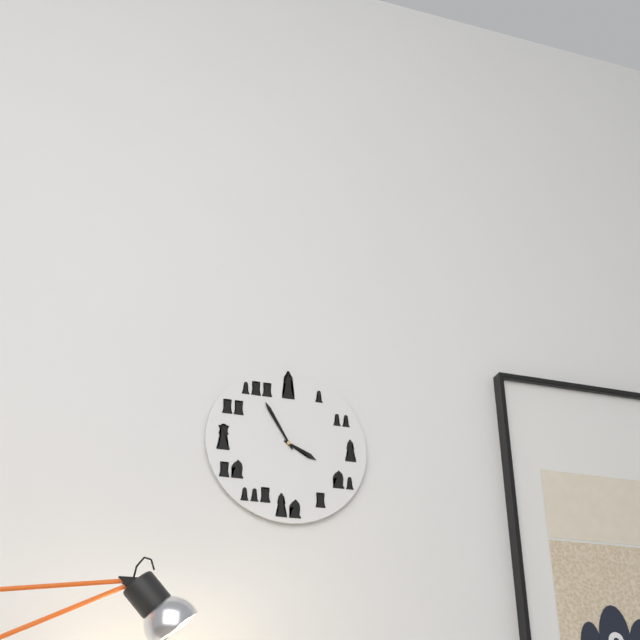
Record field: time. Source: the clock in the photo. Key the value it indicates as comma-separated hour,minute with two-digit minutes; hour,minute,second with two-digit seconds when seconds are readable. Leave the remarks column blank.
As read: 3,55
